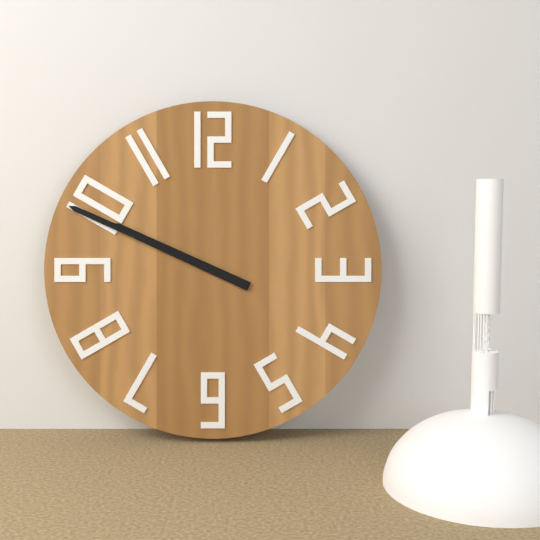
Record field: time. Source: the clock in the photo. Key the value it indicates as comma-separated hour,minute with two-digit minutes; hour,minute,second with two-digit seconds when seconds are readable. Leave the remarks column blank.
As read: 9,49
